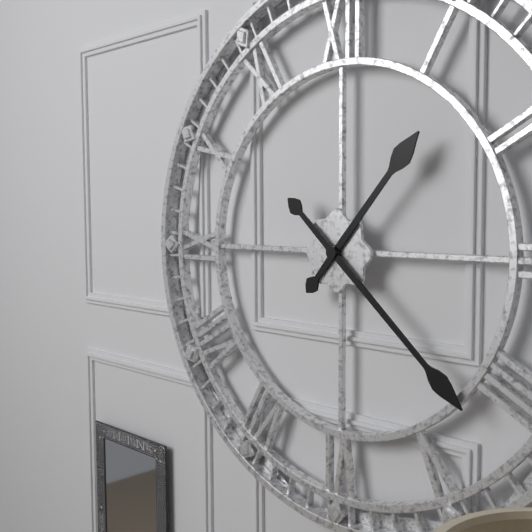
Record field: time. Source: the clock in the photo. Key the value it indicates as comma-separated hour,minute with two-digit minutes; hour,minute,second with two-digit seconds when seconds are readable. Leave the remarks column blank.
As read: 1,22
